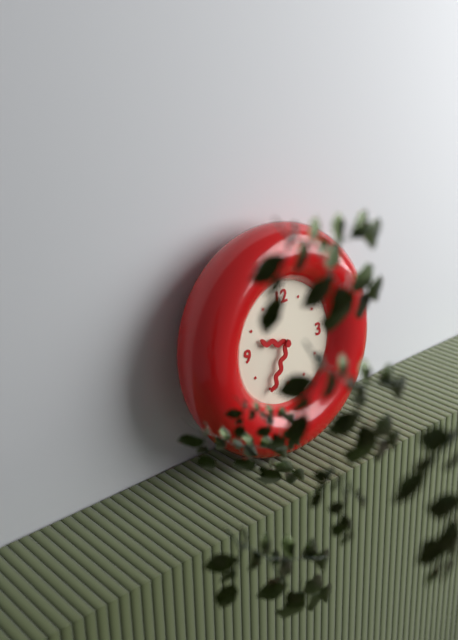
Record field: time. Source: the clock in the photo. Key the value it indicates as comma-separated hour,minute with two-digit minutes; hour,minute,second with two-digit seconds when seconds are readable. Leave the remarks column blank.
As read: 9,35
